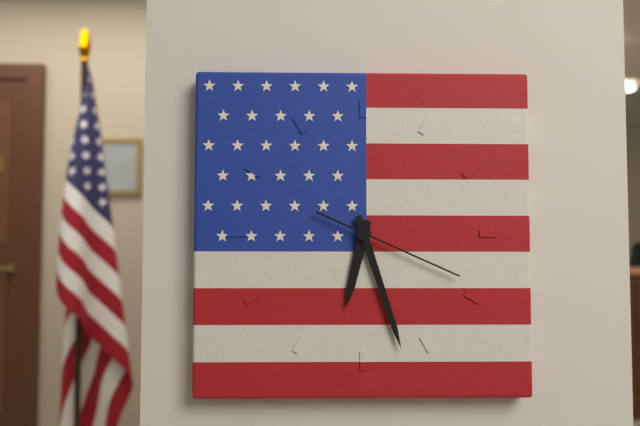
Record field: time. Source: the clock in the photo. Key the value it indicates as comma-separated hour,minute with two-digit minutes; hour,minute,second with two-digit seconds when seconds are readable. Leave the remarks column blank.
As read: 6,27,19
